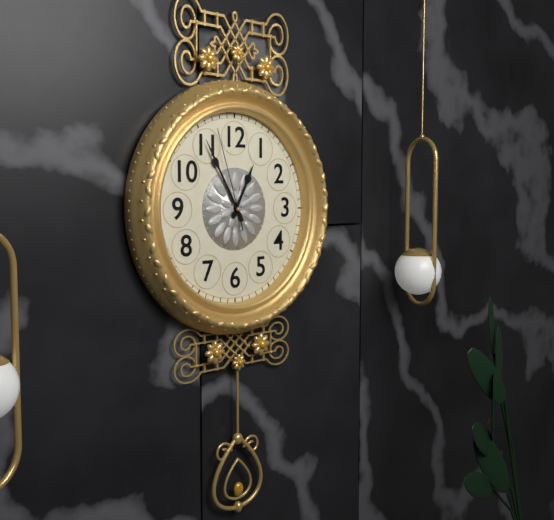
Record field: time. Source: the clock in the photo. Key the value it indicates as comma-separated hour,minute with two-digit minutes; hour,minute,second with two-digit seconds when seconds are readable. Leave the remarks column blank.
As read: 12,55,57
